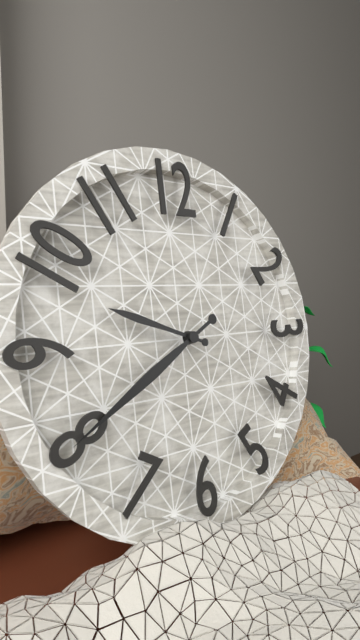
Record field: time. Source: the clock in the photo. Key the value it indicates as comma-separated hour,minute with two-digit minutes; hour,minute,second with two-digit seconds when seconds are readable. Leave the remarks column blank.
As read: 9,40
